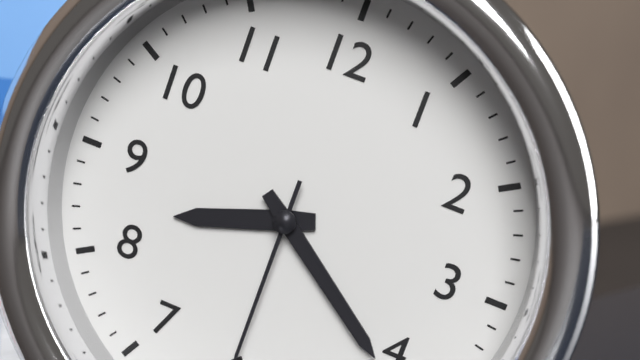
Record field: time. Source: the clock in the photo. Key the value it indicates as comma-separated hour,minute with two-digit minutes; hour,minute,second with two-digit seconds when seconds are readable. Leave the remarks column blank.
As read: 8,21
